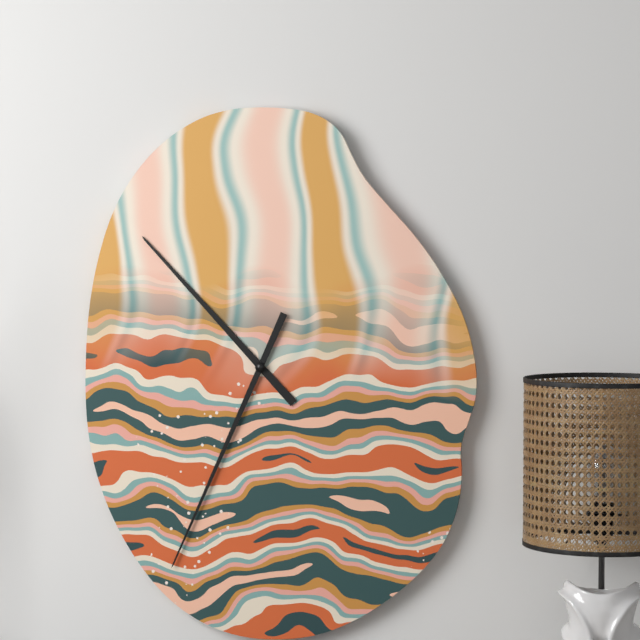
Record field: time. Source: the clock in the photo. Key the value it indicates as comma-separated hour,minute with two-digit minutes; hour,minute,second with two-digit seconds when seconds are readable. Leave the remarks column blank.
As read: 10,34
